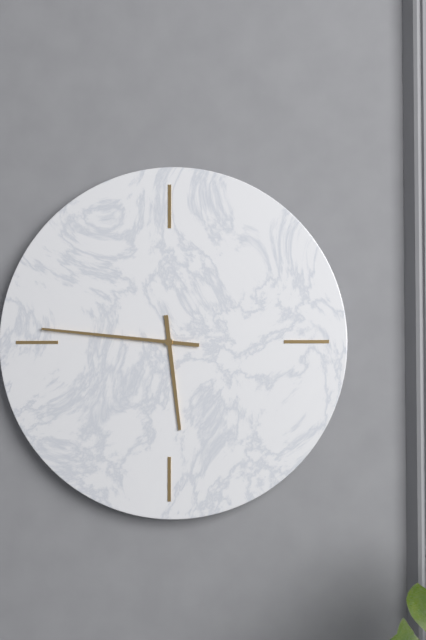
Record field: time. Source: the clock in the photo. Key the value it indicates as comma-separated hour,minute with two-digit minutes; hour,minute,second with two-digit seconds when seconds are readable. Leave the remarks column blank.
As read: 5,46
